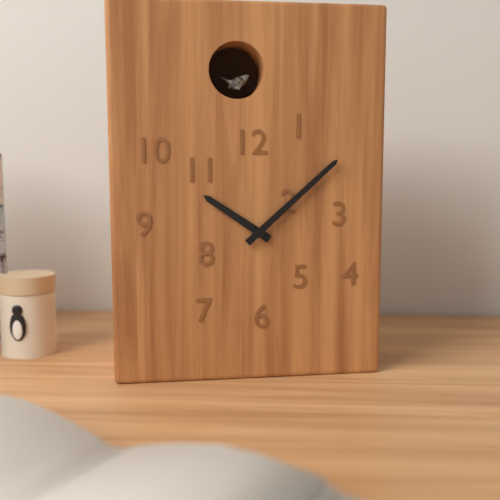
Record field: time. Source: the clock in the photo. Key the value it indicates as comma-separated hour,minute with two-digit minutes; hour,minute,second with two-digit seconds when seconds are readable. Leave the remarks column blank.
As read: 10,08
